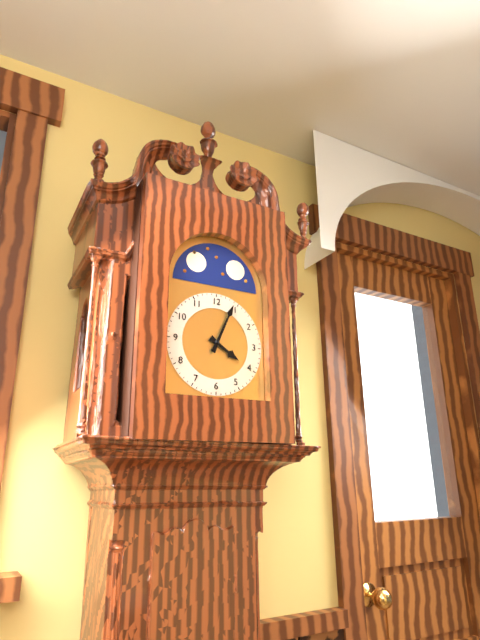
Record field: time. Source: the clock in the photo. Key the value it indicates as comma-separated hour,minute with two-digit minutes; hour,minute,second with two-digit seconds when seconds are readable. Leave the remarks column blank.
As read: 4,04
